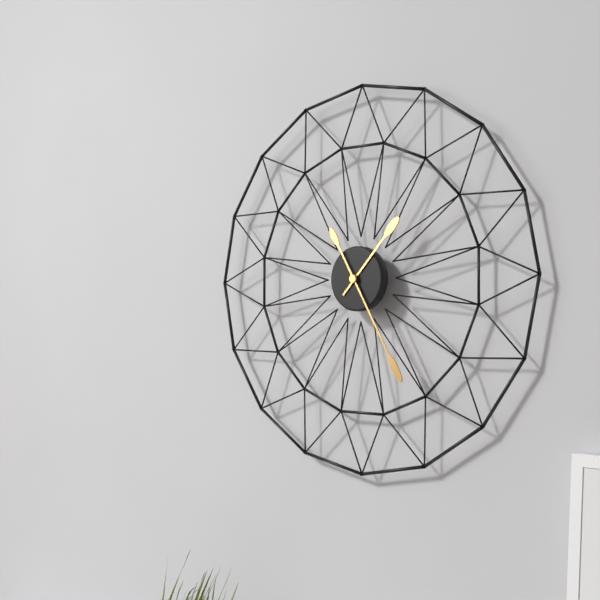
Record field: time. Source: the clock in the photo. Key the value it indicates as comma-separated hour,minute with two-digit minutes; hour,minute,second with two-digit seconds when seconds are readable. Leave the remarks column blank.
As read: 1,25
